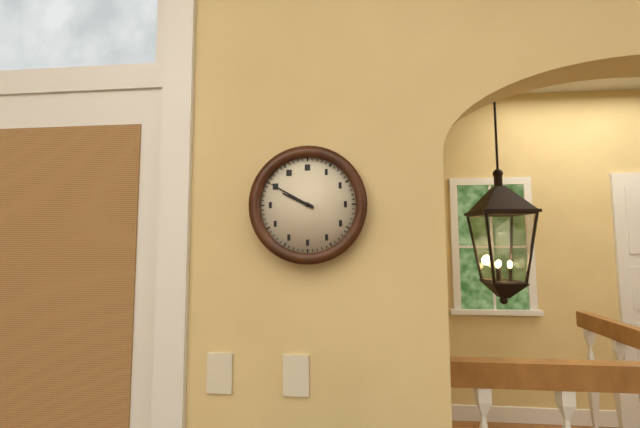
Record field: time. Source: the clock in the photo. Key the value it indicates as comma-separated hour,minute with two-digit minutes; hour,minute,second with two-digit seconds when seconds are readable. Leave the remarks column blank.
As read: 9,50
